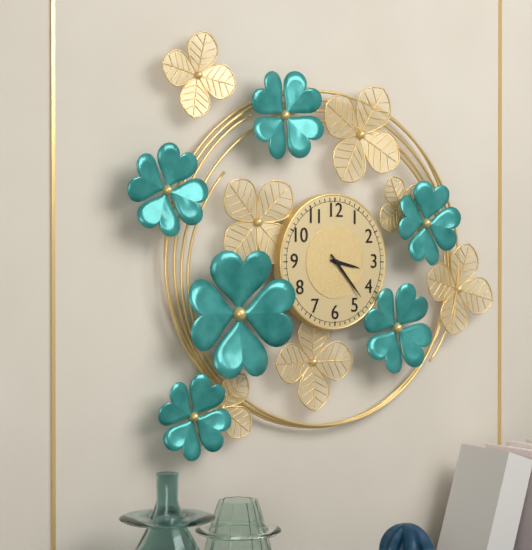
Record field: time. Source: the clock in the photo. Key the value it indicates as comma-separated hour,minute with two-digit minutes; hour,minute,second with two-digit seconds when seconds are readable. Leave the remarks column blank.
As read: 3,23
